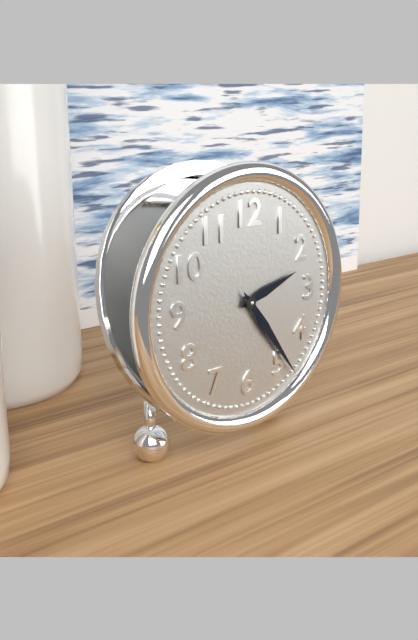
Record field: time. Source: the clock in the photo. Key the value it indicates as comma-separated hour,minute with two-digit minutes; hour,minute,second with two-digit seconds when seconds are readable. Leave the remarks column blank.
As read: 2,24
